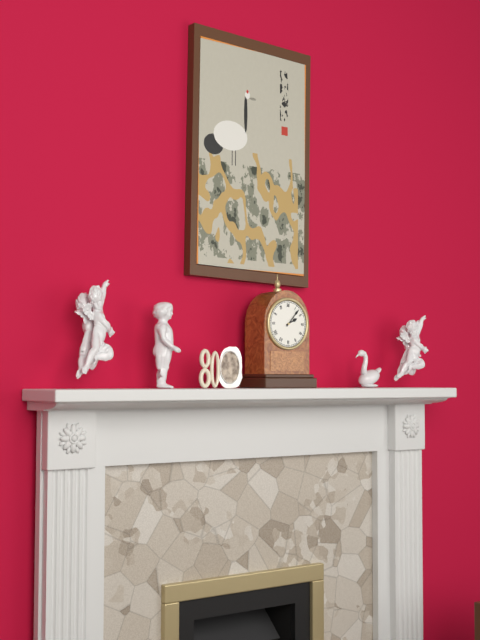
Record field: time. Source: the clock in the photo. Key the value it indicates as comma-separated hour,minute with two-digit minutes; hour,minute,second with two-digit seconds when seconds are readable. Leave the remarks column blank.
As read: 2,07
